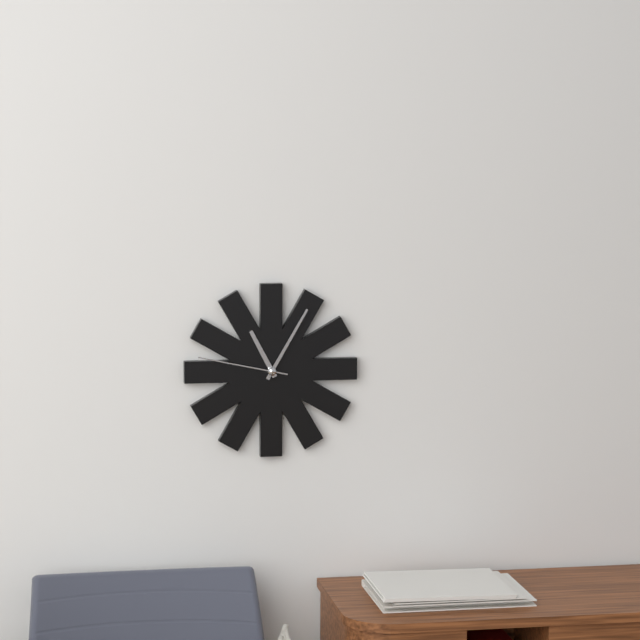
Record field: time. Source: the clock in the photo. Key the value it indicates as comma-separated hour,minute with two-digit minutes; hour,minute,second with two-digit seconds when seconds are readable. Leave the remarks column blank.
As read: 11,05,47
